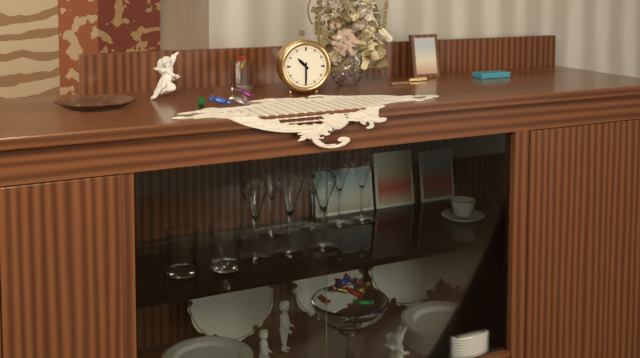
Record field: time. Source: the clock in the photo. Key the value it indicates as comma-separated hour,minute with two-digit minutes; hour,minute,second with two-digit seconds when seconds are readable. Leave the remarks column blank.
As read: 10,30
